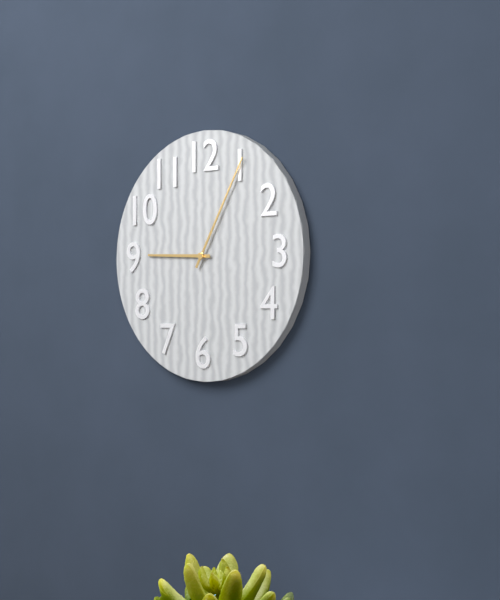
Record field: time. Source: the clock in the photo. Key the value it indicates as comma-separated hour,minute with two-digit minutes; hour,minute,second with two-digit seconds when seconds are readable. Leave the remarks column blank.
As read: 9,05
